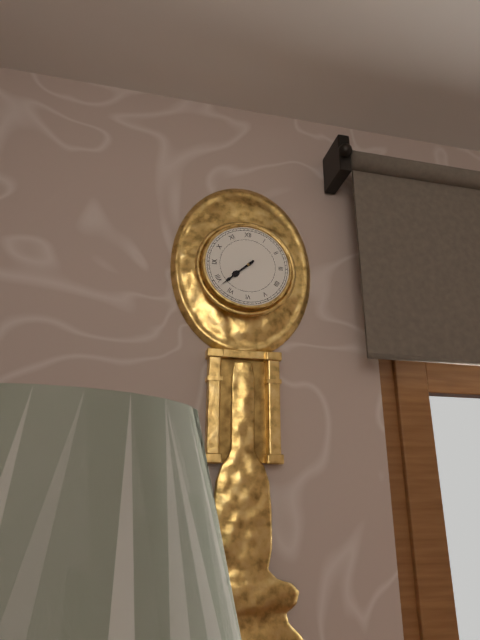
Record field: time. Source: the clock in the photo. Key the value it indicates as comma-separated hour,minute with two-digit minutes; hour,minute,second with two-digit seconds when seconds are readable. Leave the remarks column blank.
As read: 7,38
